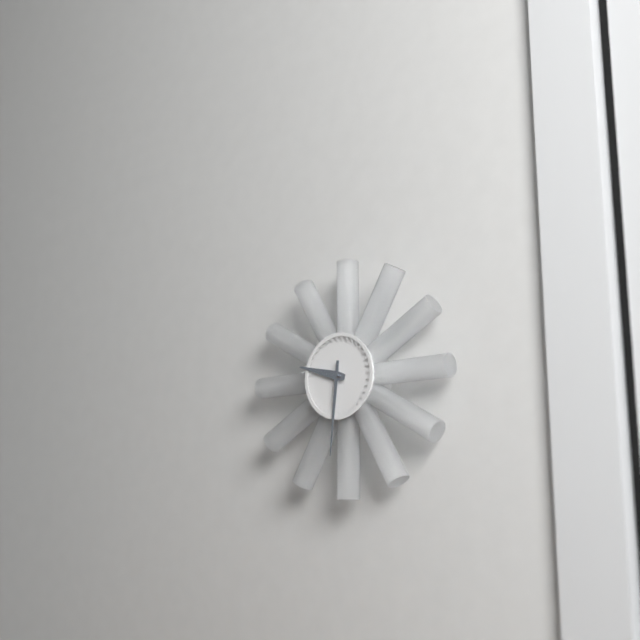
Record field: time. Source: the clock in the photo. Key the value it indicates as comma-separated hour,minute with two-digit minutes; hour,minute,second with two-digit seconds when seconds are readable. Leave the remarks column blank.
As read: 9,31
